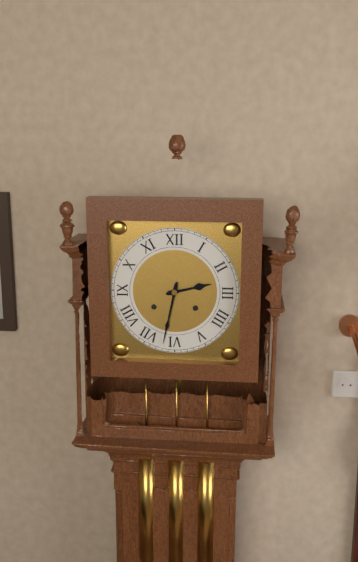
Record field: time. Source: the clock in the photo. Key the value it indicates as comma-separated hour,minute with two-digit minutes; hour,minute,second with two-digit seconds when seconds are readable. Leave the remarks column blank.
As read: 2,32
